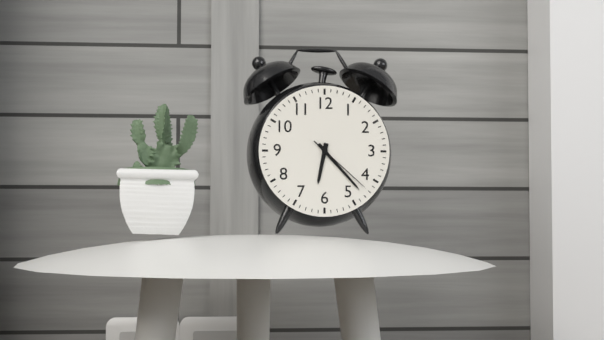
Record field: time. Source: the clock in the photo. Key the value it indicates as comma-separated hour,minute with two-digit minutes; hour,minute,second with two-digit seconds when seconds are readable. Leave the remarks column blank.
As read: 6,23,22
